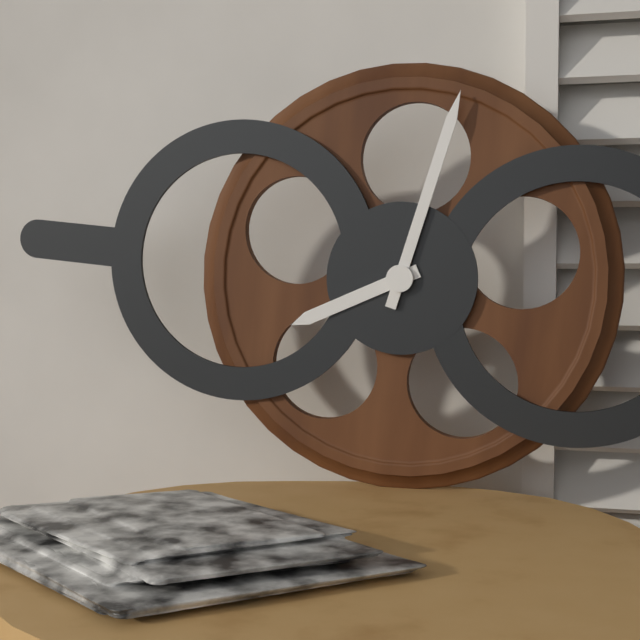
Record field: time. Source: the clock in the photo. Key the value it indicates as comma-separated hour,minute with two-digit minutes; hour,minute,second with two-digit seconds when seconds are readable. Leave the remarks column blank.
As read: 8,02
